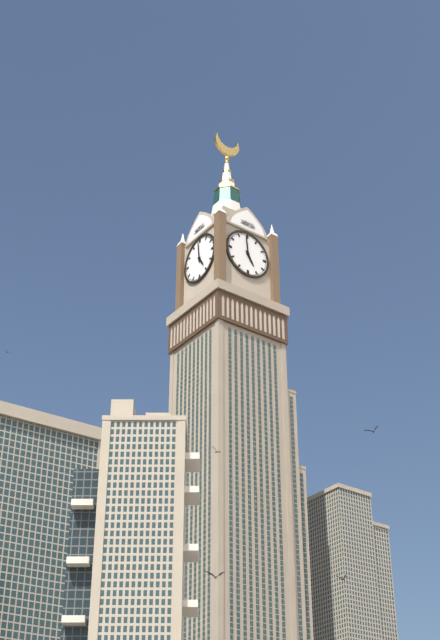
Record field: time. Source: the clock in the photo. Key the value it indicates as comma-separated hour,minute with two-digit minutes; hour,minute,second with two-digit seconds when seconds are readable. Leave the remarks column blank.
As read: 4,59
